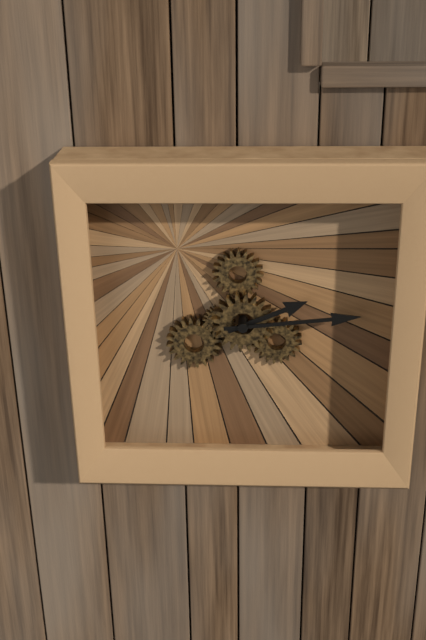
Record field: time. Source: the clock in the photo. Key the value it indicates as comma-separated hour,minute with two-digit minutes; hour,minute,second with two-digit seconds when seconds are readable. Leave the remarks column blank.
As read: 2,14
